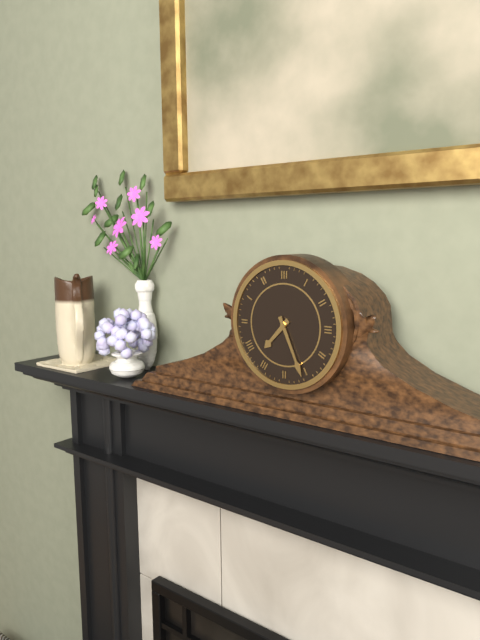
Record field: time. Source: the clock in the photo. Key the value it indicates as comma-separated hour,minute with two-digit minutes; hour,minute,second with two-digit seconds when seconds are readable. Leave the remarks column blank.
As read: 7,26
